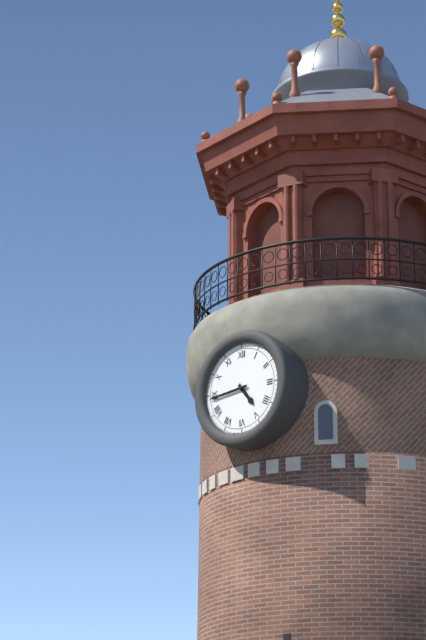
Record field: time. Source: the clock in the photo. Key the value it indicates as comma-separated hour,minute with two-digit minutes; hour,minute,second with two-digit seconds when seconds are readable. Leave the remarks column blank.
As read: 4,44
